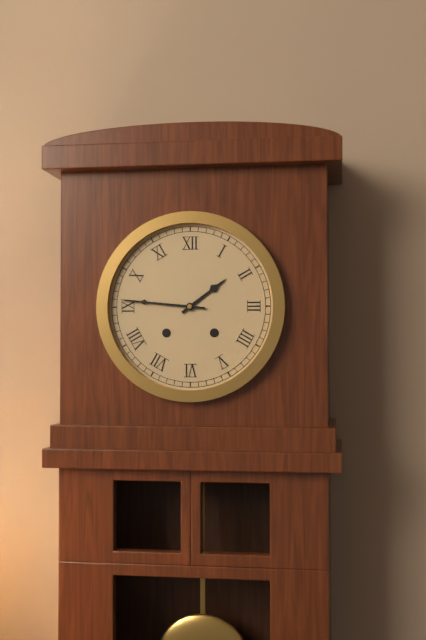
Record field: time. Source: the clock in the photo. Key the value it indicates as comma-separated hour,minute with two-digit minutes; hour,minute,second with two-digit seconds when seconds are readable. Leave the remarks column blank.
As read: 1,46
